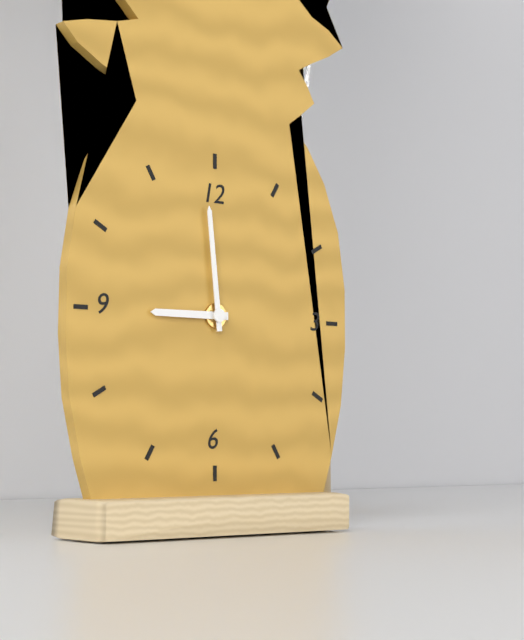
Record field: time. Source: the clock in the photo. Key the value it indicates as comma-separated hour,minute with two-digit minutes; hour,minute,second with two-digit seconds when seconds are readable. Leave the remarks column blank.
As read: 8,59
